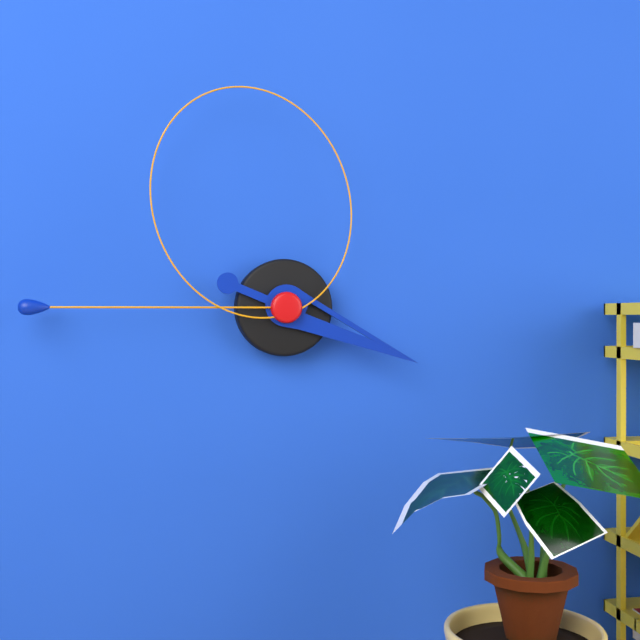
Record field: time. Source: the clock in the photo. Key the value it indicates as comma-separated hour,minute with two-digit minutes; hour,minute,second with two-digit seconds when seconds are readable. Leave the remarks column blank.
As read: 3,45,57
